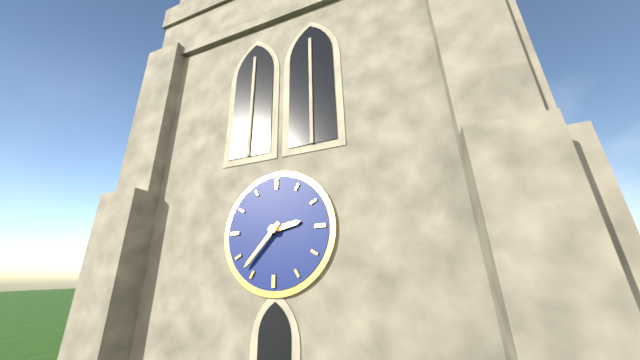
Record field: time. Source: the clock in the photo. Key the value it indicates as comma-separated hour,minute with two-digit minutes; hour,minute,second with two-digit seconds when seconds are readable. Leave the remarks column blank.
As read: 2,37
